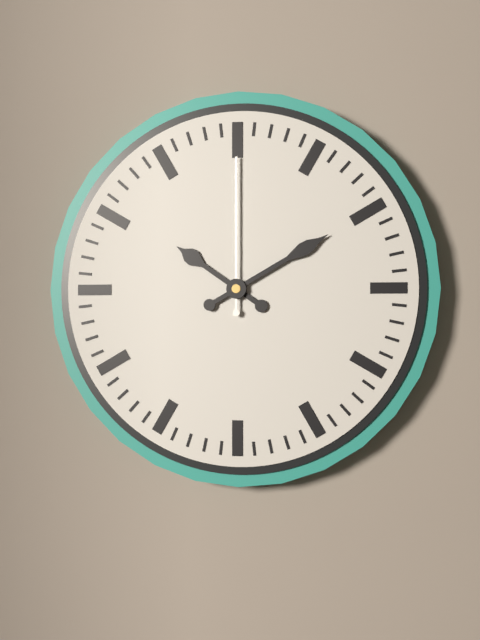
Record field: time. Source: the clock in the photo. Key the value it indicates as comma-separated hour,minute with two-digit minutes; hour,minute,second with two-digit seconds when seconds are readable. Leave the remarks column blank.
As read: 10,10,00
